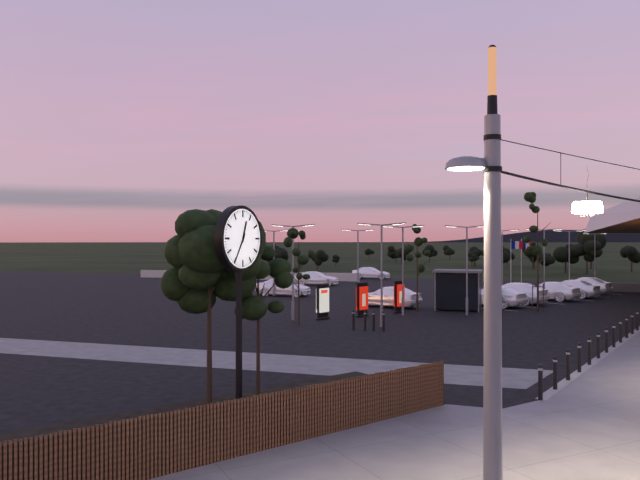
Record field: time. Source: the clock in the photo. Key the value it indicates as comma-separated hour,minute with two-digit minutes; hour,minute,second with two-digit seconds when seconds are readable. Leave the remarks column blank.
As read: 12,35
